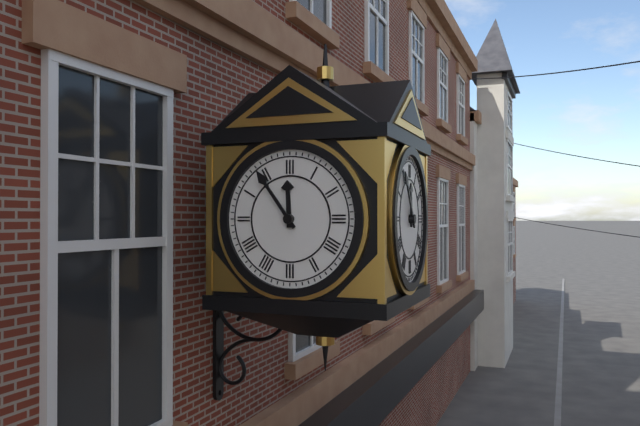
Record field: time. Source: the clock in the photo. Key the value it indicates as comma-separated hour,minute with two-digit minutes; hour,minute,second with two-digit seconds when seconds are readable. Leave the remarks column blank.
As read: 11,54
